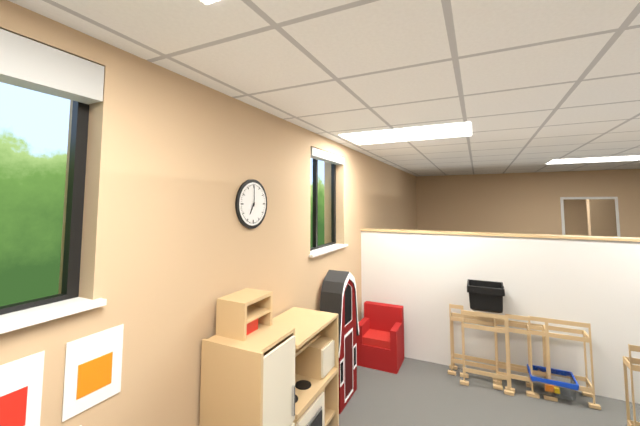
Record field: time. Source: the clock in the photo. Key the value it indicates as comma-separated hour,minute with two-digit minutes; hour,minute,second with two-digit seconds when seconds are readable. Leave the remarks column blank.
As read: 7,00
